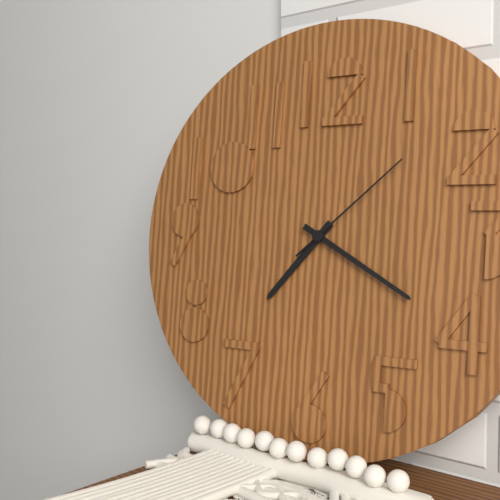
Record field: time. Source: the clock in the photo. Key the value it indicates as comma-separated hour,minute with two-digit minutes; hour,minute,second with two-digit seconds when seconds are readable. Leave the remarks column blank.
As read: 7,20,08
